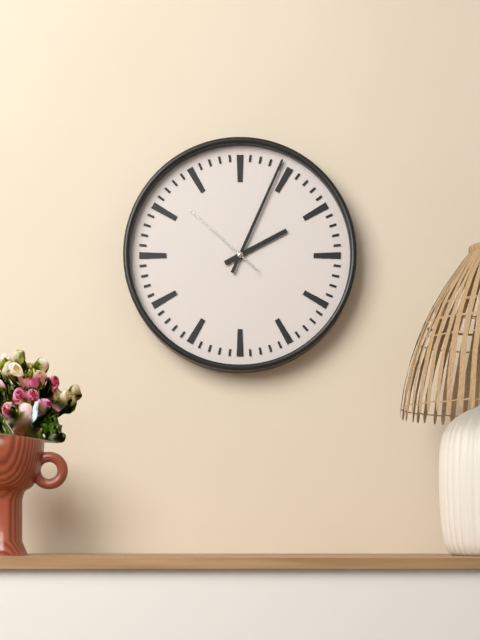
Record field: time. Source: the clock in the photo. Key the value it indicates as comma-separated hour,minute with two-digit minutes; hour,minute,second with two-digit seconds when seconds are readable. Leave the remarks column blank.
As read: 2,04,52
